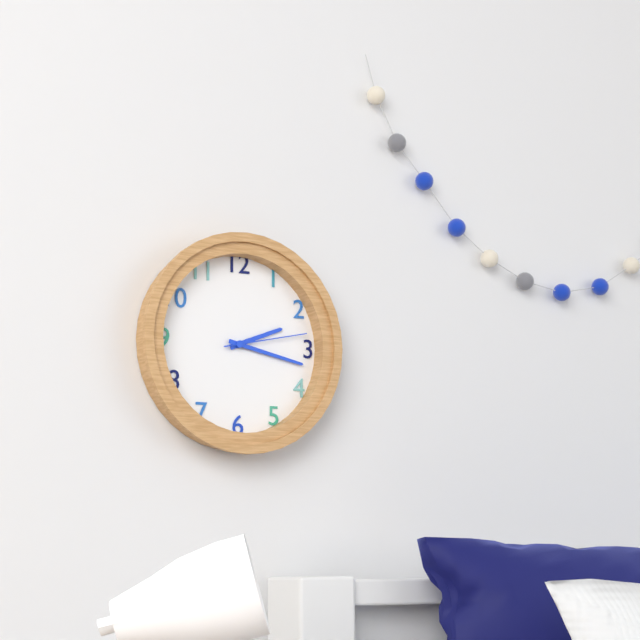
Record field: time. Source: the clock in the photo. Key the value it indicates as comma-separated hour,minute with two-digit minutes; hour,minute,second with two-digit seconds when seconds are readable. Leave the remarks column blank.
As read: 2,17,13
